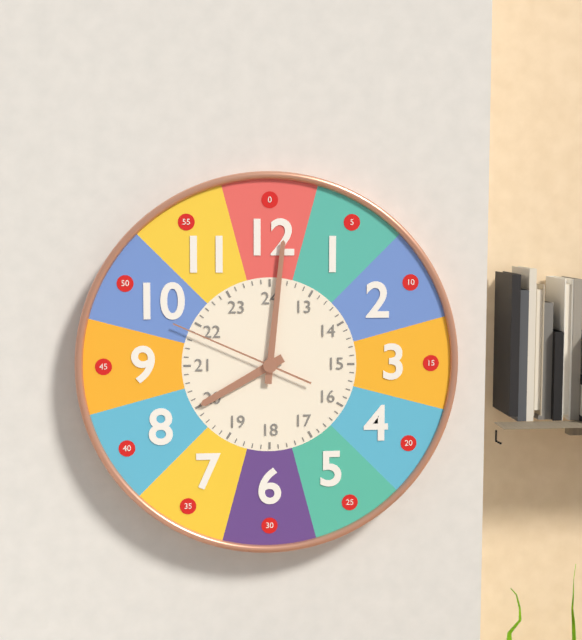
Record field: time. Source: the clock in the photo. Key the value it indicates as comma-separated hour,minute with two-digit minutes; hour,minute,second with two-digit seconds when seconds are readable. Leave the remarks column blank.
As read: 8,01,49
